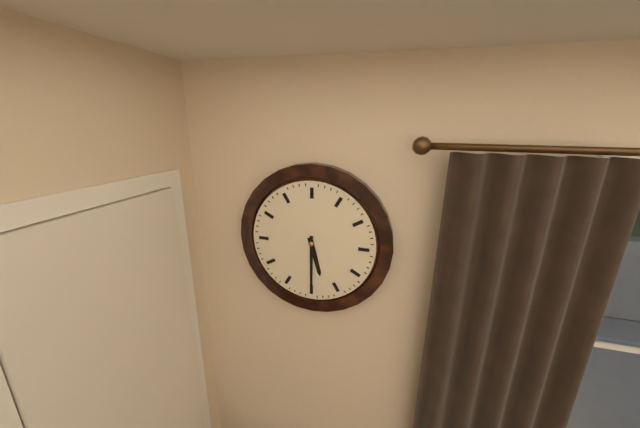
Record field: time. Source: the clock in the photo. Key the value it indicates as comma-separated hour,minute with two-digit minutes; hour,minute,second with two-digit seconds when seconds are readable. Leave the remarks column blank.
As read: 5,30
